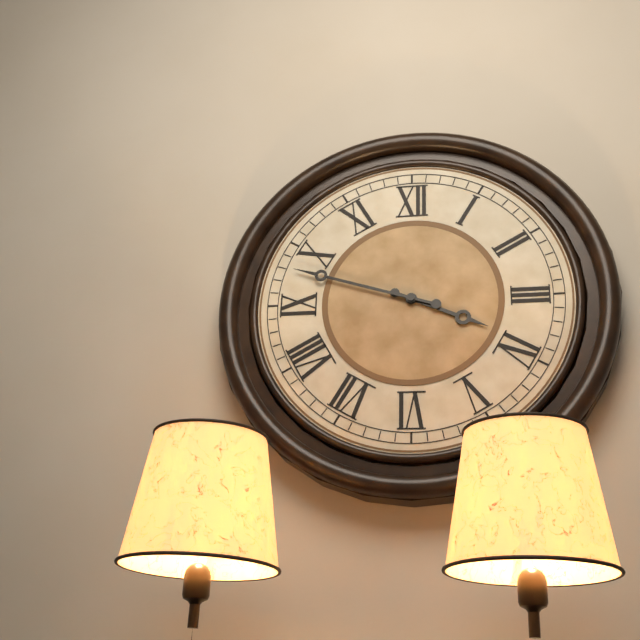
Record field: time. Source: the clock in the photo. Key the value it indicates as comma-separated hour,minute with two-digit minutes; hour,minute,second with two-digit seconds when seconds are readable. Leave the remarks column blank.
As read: 3,48
